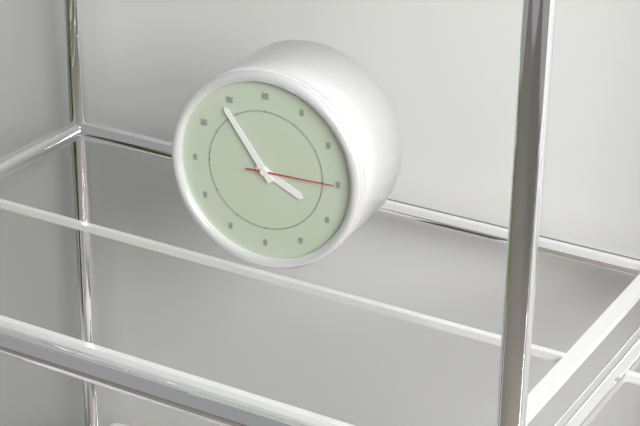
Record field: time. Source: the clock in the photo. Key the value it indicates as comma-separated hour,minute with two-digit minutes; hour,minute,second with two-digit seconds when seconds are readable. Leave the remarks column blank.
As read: 3,54,15
